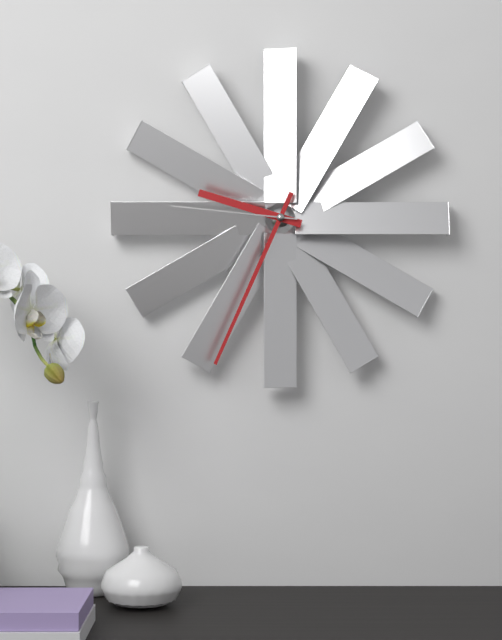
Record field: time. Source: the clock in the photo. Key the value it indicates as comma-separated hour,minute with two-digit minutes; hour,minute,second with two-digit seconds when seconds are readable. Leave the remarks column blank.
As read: 9,34,46
